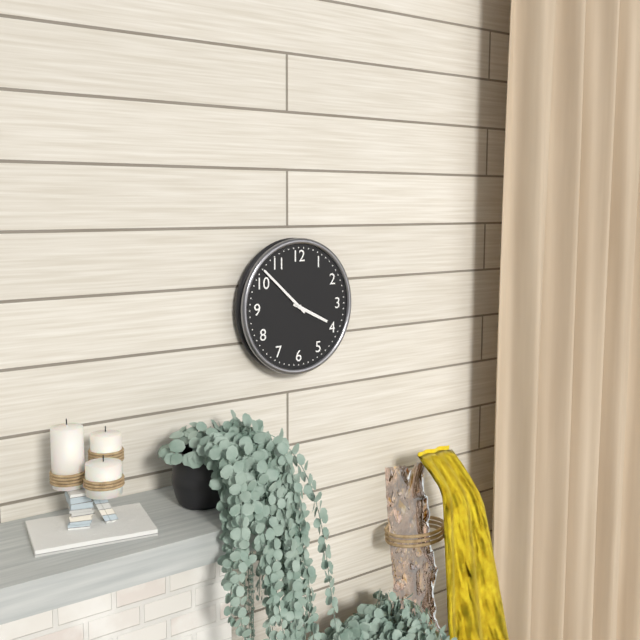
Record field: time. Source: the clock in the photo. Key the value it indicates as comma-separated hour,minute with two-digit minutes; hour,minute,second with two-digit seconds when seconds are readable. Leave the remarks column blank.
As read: 3,52
